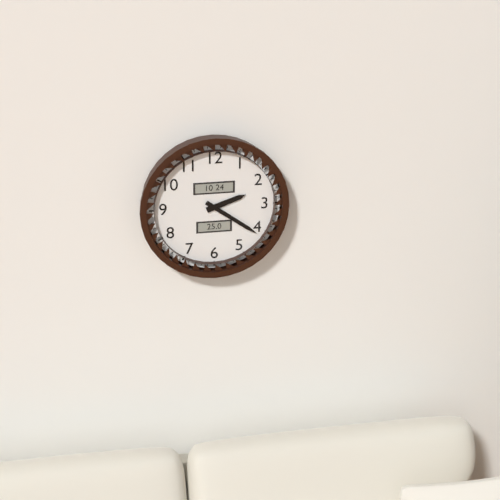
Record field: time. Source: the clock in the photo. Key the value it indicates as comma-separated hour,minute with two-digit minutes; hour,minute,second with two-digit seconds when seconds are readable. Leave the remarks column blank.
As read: 2,21
